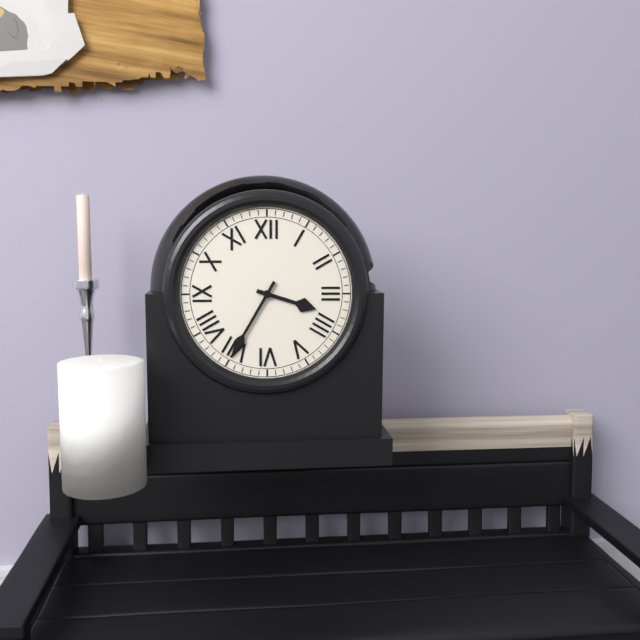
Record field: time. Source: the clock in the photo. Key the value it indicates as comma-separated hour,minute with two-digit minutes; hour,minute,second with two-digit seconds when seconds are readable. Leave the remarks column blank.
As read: 3,35
